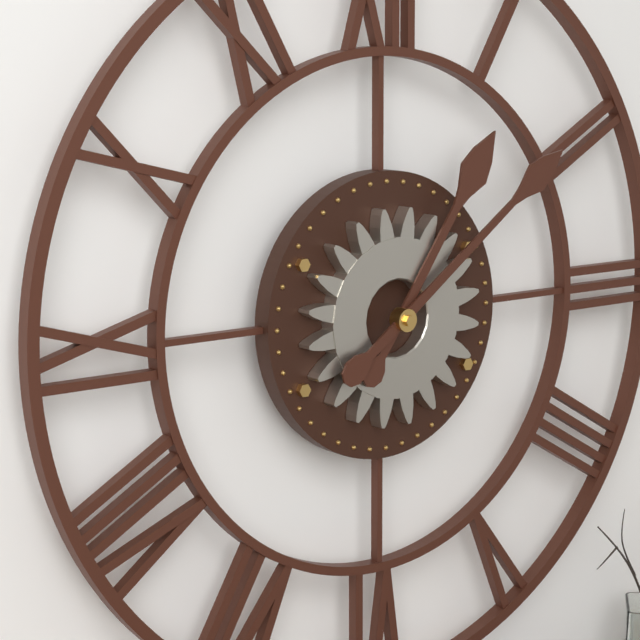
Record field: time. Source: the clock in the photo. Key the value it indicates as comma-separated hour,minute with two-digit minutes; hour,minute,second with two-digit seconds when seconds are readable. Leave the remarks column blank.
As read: 1,09
